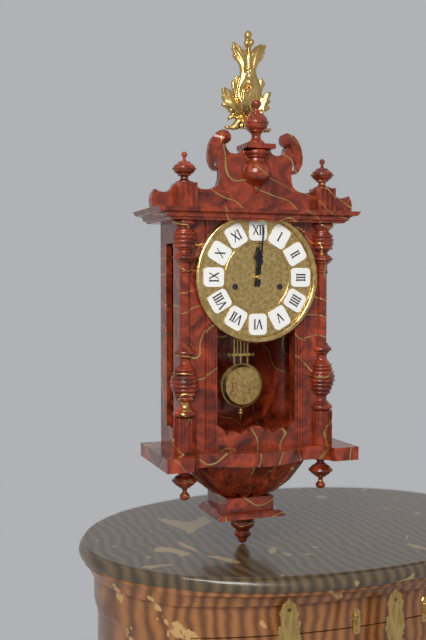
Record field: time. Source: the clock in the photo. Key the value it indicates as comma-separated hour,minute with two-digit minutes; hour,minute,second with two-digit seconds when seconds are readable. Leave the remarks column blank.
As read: 12,01
